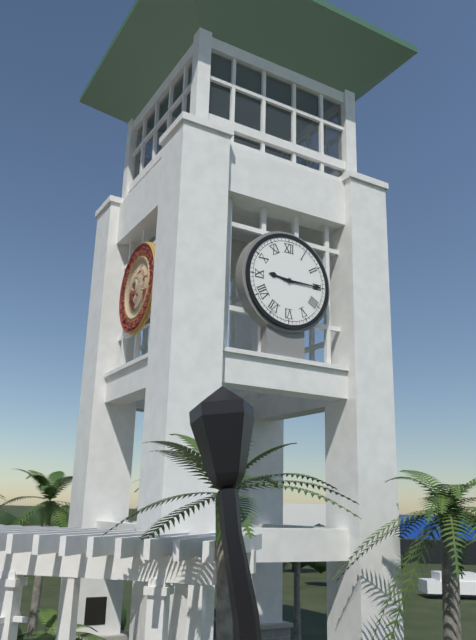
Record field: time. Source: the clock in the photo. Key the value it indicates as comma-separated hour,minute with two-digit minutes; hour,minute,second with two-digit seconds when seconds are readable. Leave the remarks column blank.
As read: 9,15
